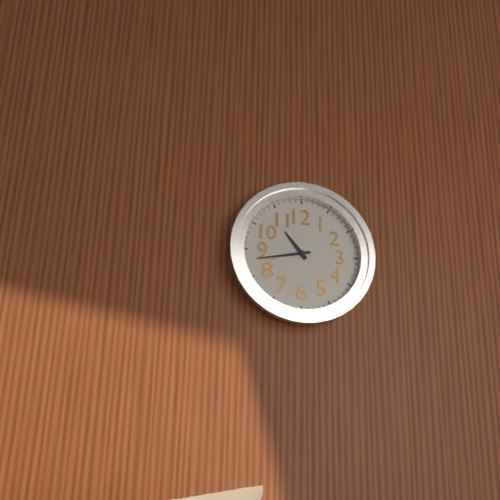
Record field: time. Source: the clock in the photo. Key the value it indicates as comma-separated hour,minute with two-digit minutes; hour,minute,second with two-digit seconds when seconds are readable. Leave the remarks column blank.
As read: 10,43
